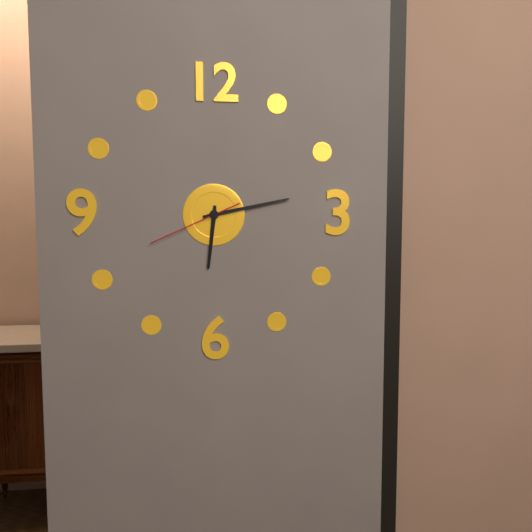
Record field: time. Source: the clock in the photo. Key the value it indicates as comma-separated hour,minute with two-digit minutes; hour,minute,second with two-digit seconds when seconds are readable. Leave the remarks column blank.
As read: 6,13,41
